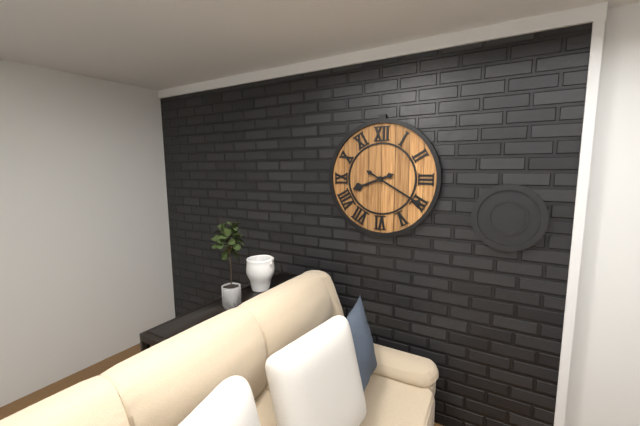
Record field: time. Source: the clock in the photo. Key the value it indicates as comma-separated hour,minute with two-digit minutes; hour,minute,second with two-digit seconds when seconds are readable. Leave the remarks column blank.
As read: 8,20
